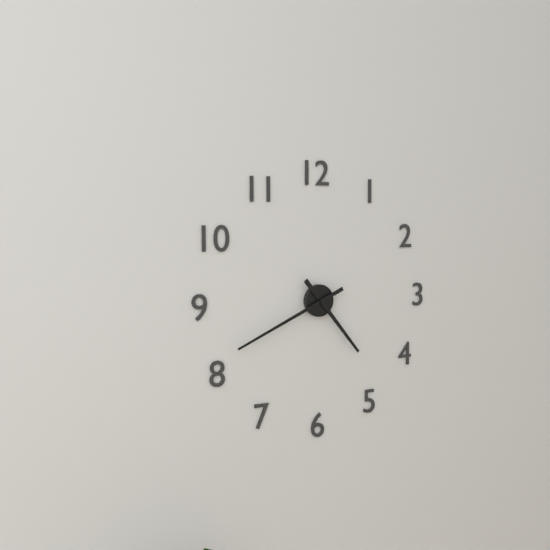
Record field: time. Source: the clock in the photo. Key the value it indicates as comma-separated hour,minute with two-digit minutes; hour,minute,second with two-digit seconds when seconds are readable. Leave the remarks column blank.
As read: 4,41
